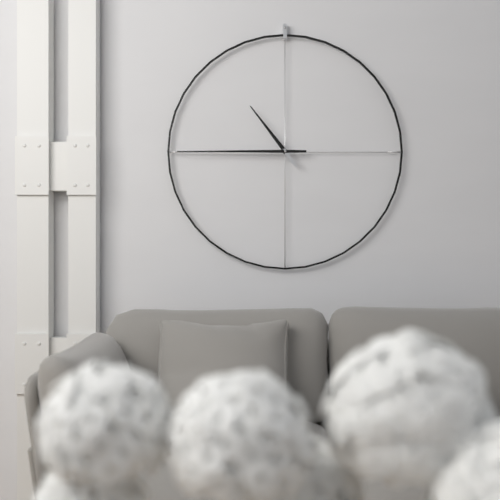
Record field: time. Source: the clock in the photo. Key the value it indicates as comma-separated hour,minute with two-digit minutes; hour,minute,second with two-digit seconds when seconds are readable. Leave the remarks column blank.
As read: 10,45
